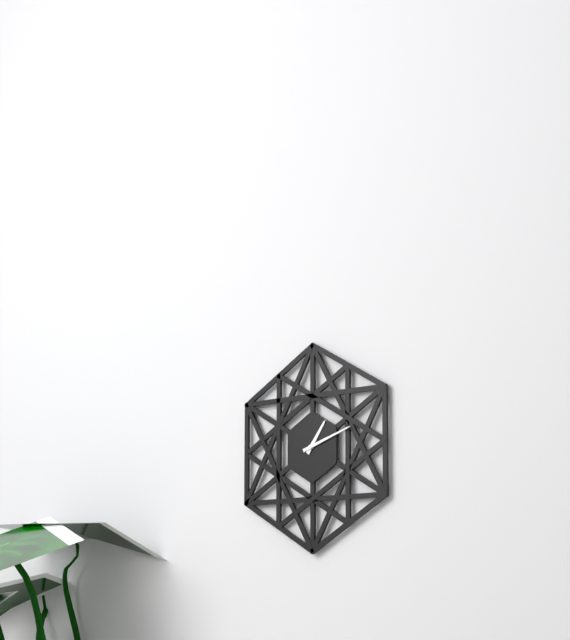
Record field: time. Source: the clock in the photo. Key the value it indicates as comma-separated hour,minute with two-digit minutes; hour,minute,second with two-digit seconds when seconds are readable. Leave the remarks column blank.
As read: 1,12
